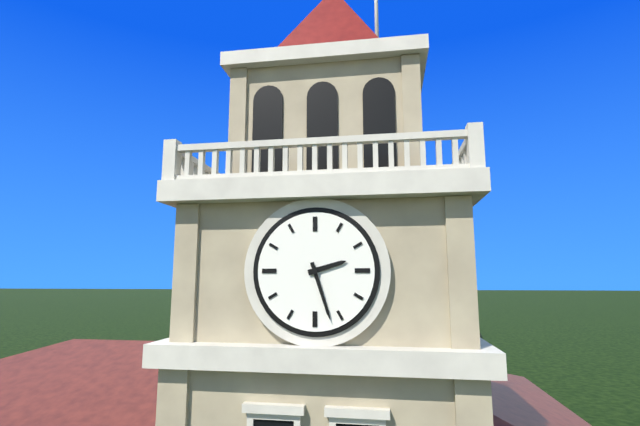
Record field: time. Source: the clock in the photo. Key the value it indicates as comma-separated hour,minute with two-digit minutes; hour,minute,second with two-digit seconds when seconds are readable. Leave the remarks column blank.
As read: 2,27
